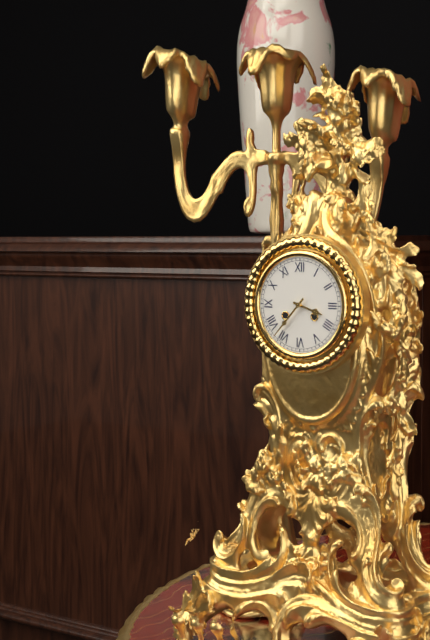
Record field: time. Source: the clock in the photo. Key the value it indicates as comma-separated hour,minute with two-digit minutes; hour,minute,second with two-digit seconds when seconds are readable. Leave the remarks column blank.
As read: 3,37
